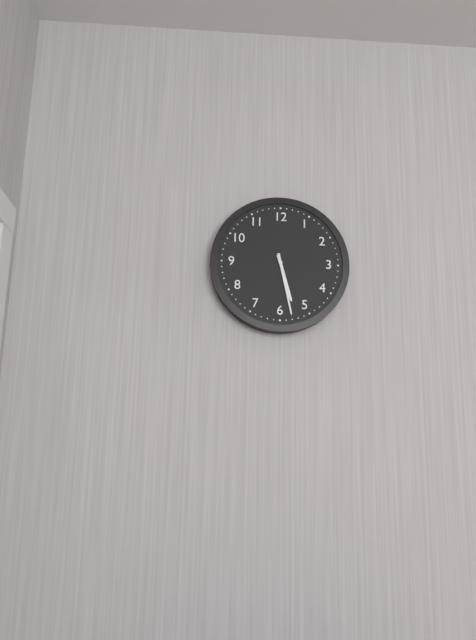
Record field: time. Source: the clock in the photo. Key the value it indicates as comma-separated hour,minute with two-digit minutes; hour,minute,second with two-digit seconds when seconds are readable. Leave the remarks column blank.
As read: 5,28
